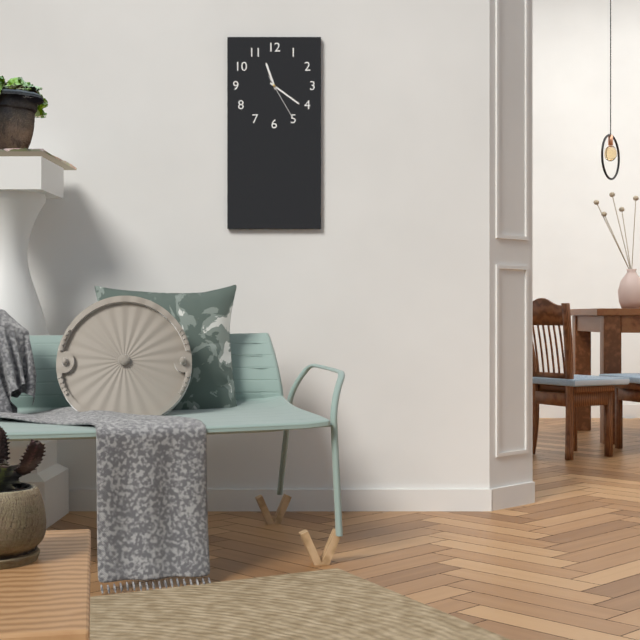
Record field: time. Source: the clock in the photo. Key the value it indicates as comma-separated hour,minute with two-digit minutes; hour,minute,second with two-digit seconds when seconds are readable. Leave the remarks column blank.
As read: 11,21
